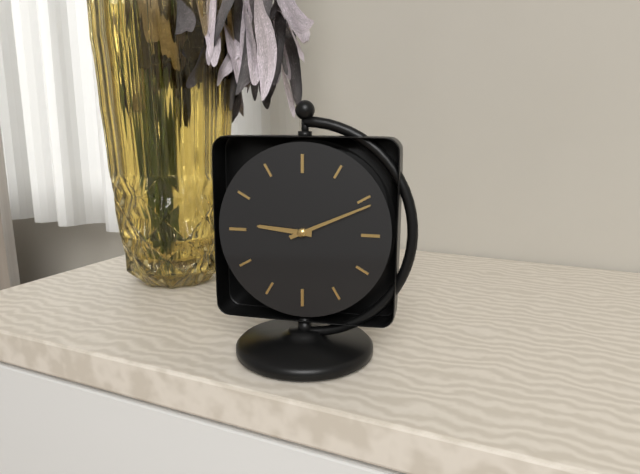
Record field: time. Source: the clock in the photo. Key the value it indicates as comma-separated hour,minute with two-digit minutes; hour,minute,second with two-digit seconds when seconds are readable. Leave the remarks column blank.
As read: 9,11
